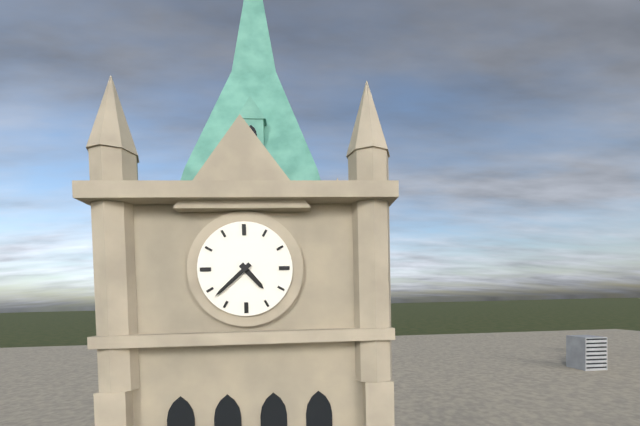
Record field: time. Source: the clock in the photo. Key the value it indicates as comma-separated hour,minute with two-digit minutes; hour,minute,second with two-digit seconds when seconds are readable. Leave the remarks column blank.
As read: 4,38
